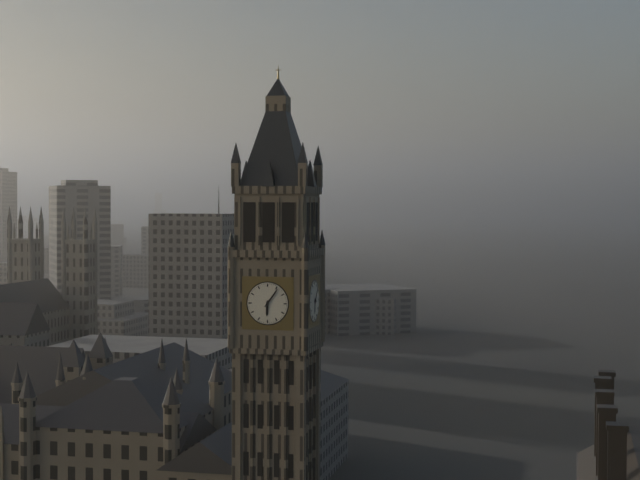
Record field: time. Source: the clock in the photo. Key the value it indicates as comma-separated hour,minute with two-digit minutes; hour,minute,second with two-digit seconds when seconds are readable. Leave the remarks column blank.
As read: 6,06
